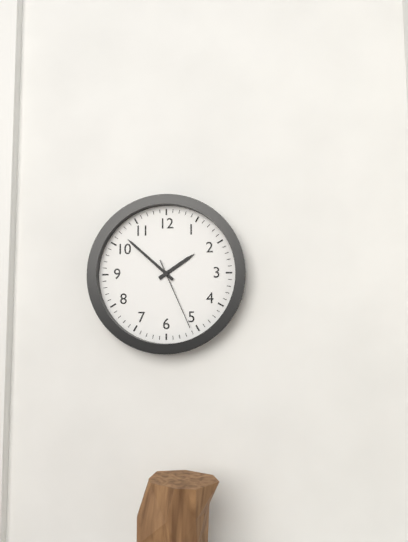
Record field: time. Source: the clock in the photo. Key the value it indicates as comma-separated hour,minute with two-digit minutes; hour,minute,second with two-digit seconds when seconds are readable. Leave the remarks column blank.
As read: 1,52,26
